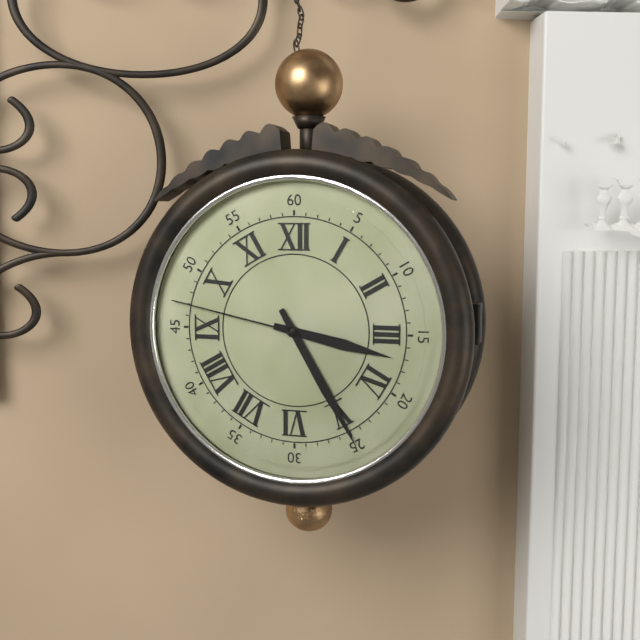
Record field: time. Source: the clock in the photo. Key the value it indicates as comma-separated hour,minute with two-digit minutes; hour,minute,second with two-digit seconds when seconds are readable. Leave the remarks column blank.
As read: 3,25,47
